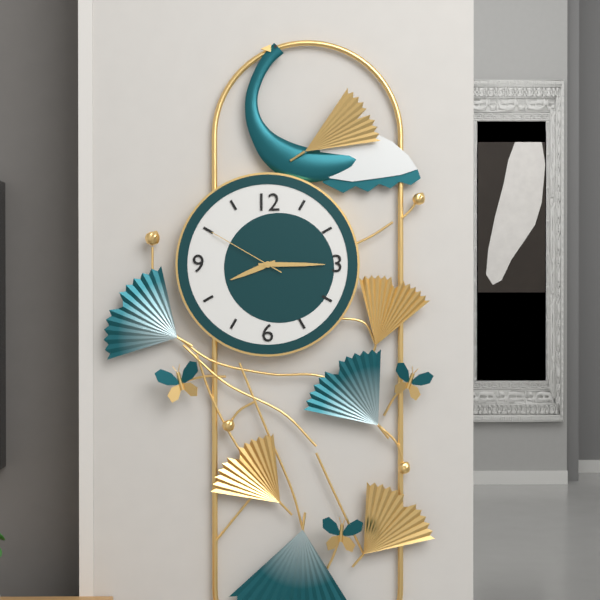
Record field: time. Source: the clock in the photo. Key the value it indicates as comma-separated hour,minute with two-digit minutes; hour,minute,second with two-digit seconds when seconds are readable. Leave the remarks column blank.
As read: 8,15,50
